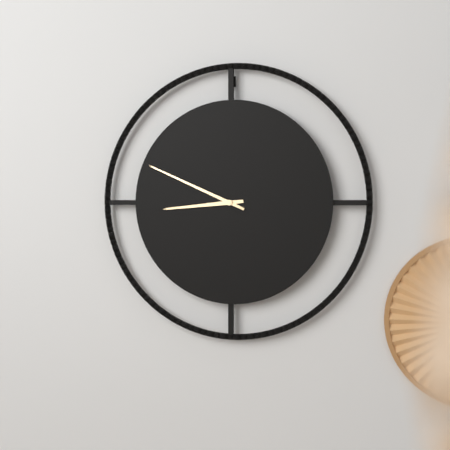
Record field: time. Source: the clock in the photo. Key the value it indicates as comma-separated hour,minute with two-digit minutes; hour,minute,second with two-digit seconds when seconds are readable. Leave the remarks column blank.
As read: 8,49
